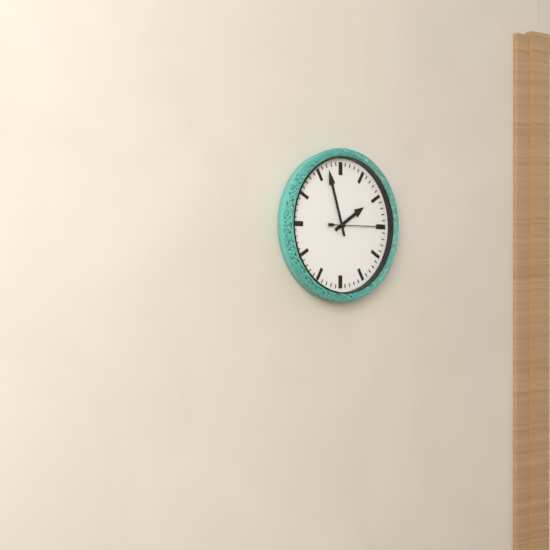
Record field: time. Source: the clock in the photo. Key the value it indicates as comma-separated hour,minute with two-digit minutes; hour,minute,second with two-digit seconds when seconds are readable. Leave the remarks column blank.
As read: 1,57,15
